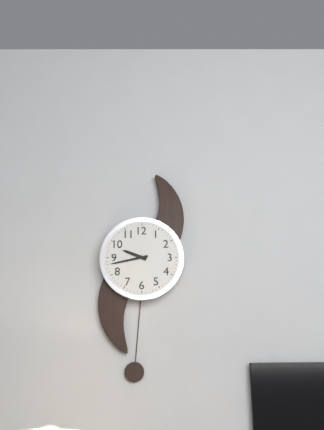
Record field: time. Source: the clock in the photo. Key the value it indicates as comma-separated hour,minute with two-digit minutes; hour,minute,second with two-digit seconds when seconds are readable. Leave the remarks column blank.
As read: 9,43
